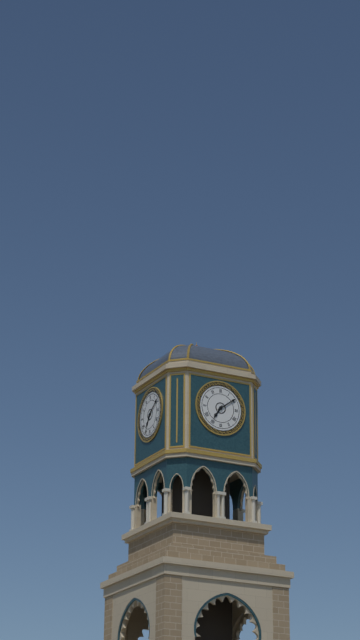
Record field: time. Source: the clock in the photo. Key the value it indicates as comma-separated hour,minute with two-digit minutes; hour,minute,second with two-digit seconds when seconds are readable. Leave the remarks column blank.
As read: 7,09
